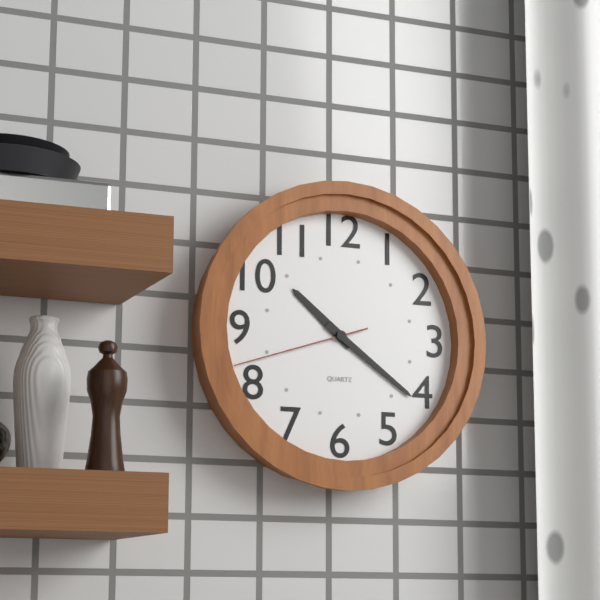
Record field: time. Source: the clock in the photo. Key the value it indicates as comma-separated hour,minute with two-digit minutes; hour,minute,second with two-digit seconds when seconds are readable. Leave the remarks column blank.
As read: 10,21,42
